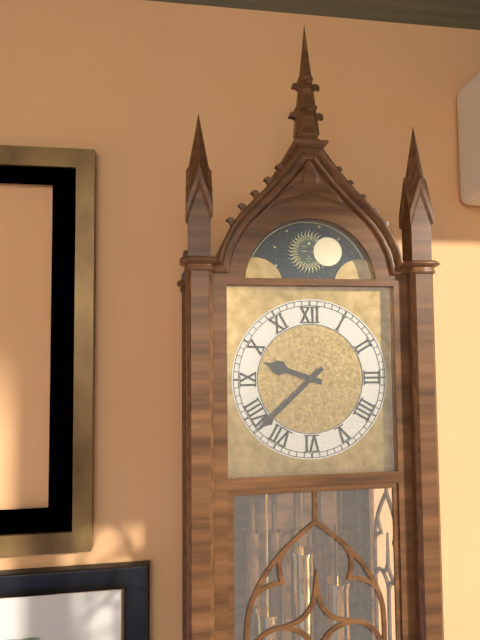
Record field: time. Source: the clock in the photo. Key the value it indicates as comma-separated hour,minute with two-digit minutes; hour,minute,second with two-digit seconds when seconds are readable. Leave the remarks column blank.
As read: 9,38
